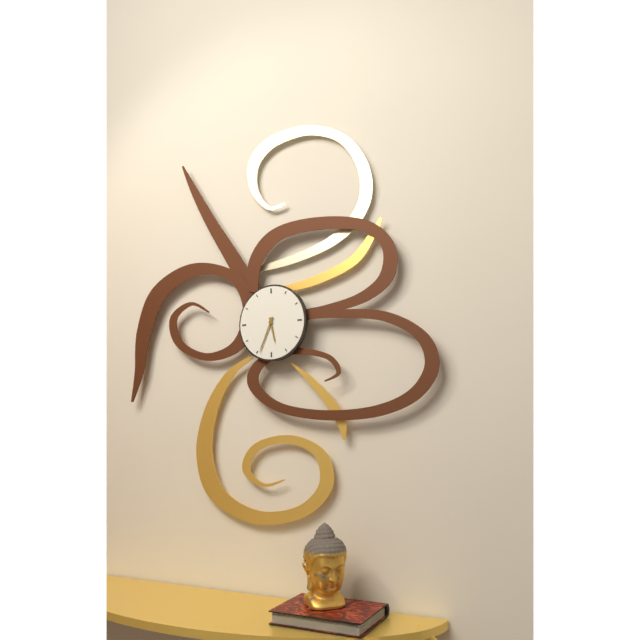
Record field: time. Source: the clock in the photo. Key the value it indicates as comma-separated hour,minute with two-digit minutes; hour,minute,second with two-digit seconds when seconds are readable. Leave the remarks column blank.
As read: 5,34
